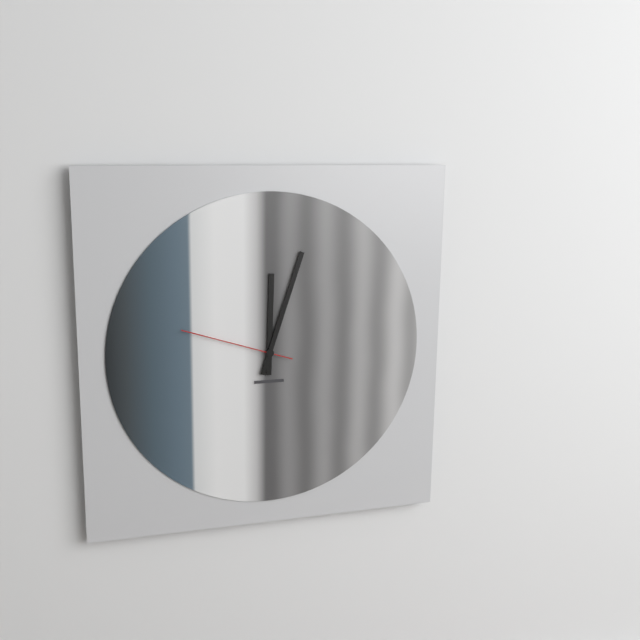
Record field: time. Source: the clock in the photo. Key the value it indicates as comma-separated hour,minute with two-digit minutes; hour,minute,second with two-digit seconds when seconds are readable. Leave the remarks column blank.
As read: 12,03,48
